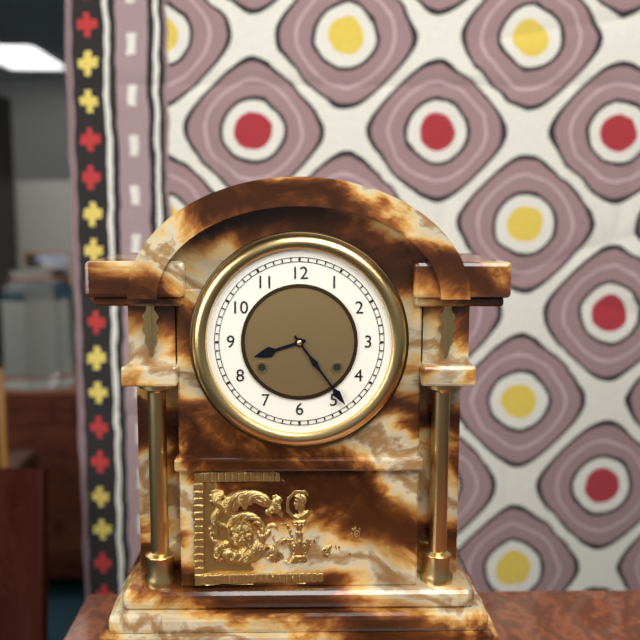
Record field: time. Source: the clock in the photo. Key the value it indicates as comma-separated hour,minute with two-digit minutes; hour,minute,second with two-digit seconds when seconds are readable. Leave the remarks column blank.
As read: 8,24
